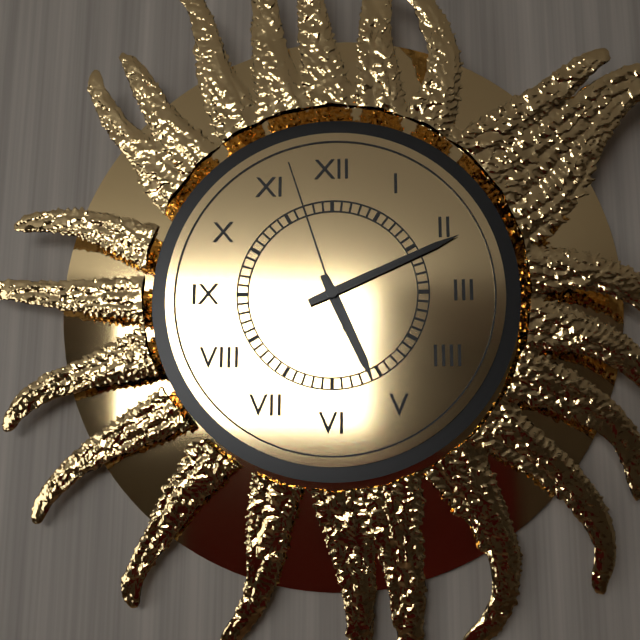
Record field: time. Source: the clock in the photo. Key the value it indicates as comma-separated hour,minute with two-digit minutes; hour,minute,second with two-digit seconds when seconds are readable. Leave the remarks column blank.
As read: 5,11,57
